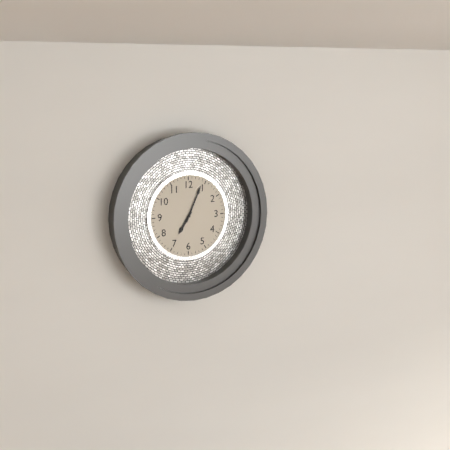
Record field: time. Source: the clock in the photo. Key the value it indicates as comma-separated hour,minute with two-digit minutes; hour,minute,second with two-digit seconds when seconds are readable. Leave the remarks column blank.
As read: 7,04
